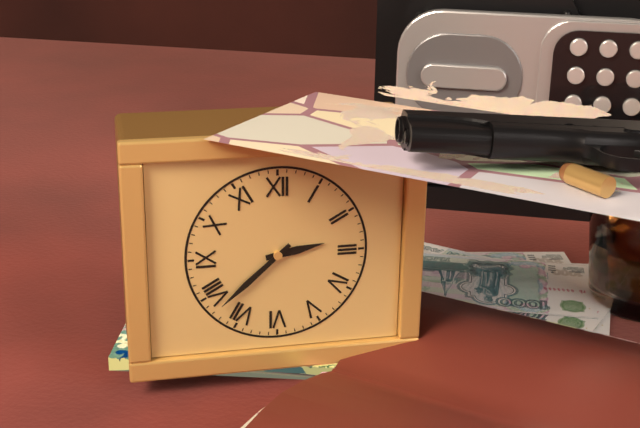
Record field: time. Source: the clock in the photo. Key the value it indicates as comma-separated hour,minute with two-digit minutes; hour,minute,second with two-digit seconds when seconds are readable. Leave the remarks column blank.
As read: 2,38
